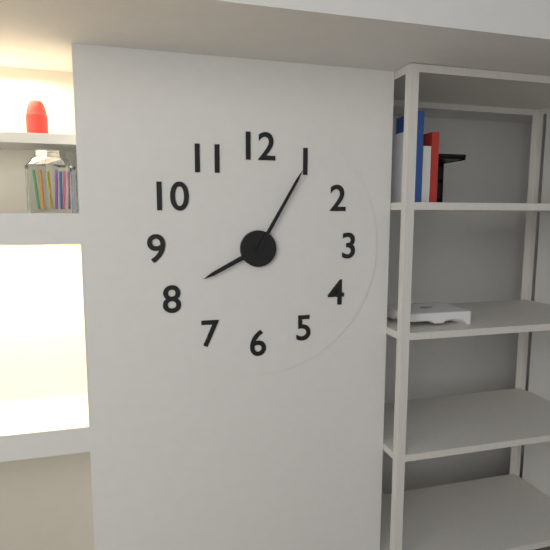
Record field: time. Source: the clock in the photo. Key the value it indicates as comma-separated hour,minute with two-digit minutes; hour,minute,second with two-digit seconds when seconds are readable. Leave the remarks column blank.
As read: 8,05
